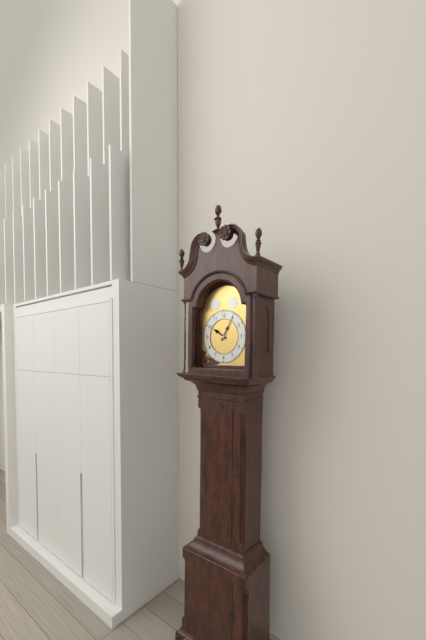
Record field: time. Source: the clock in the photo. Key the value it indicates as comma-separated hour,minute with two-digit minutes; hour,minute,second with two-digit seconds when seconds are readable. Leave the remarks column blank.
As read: 10,05
